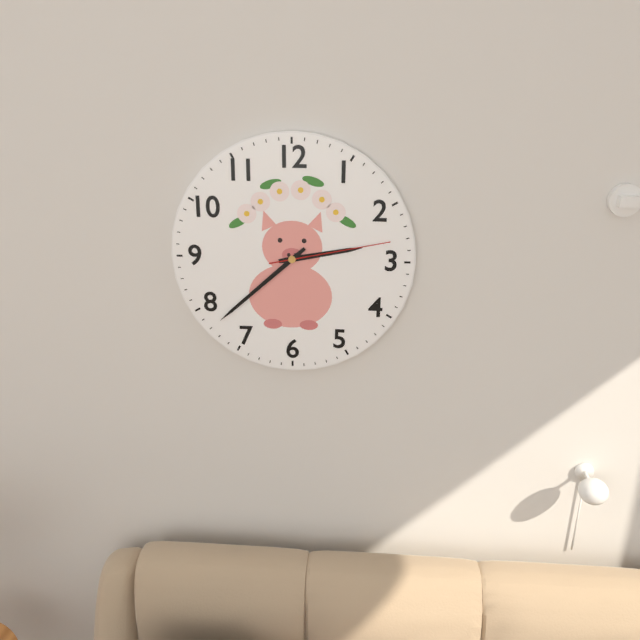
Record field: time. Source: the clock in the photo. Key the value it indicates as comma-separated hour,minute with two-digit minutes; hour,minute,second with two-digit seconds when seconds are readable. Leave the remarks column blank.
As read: 2,38,13
